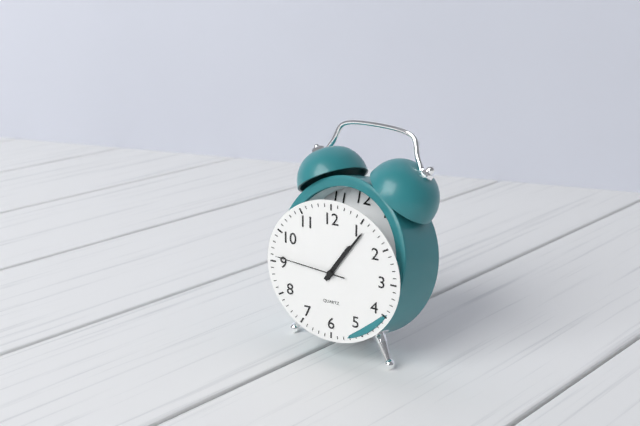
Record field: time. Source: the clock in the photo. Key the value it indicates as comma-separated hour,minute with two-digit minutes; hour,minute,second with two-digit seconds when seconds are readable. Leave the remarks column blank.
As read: 1,06,46
